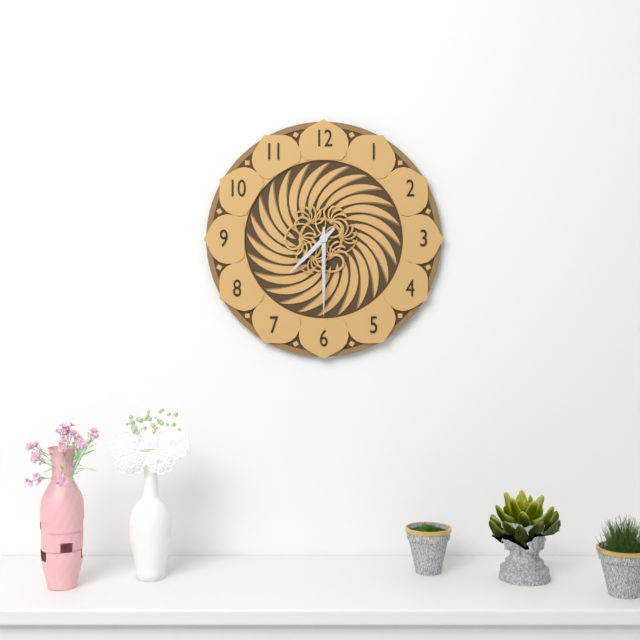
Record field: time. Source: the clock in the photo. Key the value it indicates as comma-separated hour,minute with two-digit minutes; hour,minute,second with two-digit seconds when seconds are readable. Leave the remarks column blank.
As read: 7,30
